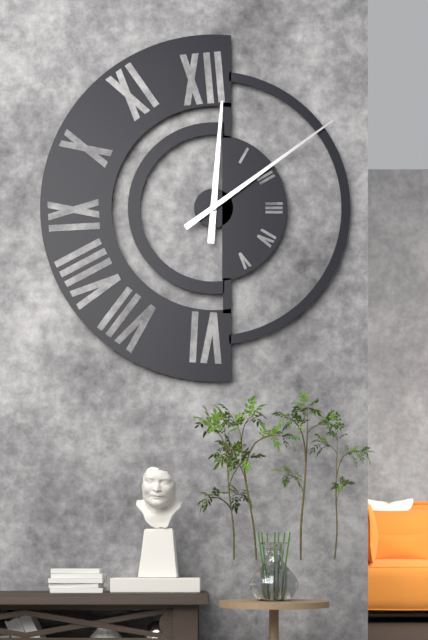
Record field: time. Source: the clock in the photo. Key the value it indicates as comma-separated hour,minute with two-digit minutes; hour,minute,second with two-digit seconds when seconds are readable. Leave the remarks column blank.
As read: 12,09
